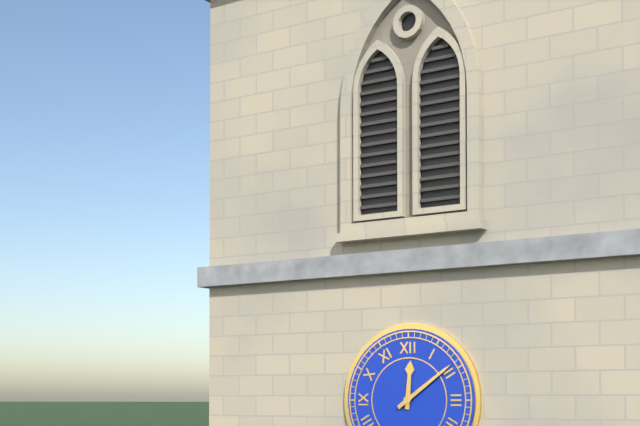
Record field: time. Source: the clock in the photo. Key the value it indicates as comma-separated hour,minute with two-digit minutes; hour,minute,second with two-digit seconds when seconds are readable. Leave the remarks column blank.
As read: 12,09
